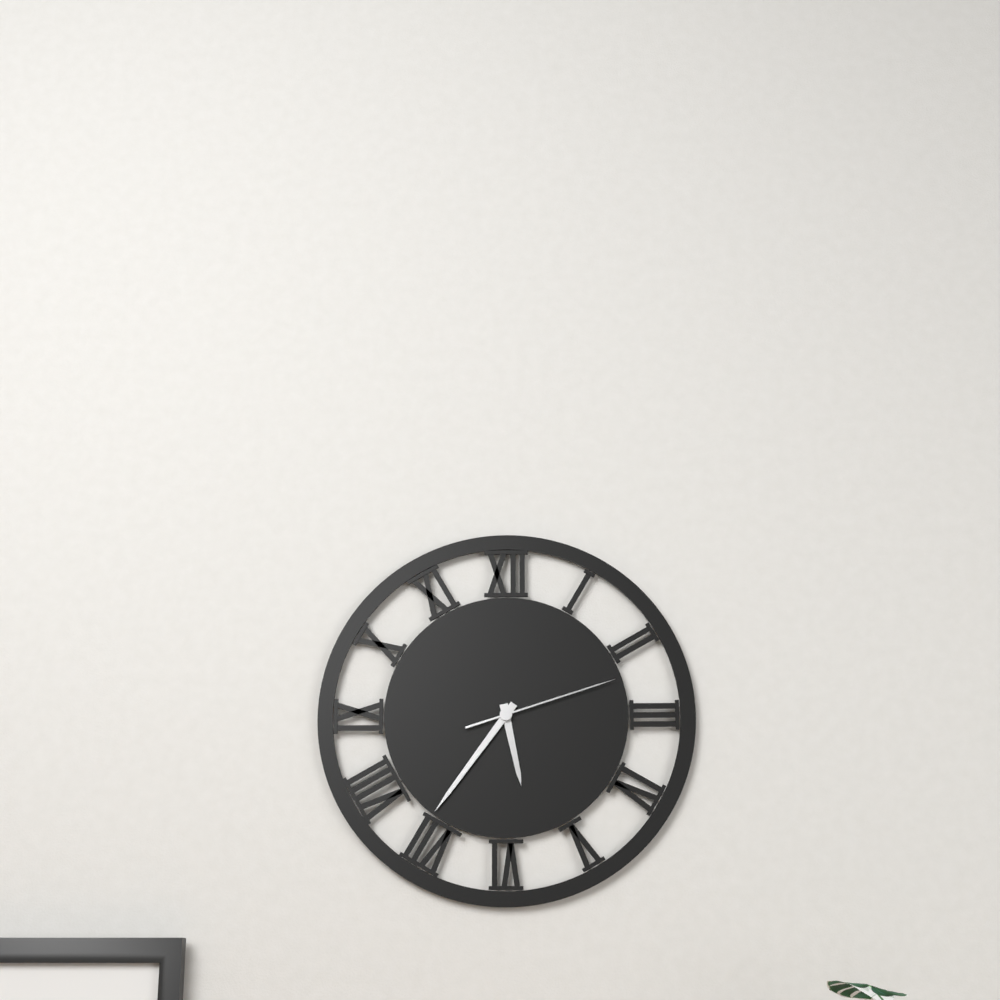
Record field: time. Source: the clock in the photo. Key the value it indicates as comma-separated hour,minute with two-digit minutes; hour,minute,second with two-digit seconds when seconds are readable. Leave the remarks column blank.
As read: 5,36,12
